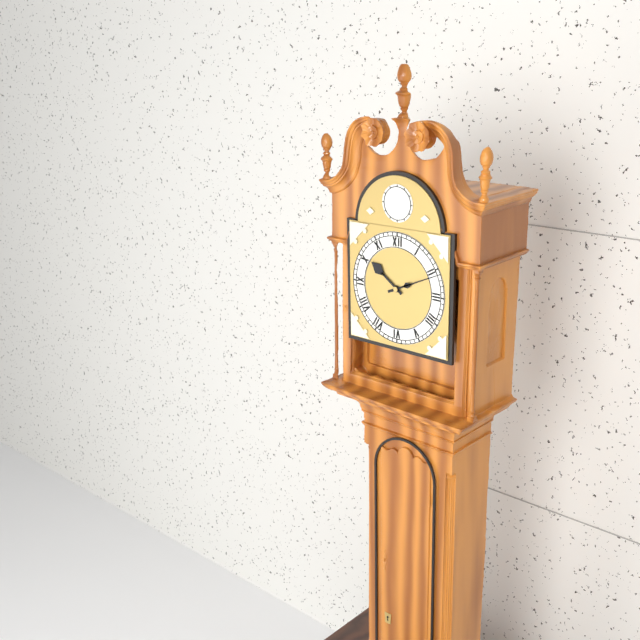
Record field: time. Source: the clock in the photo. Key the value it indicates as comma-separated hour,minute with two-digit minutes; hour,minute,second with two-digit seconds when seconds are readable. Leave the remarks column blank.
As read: 10,11
